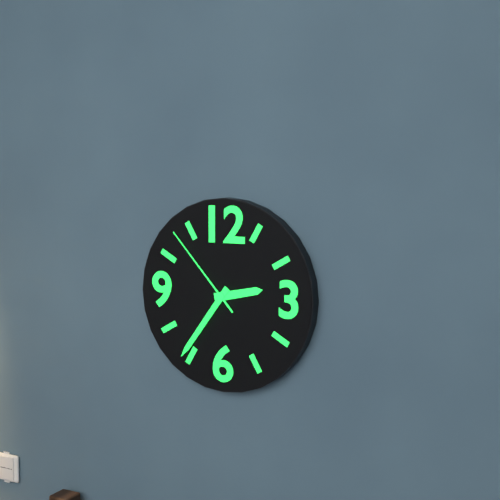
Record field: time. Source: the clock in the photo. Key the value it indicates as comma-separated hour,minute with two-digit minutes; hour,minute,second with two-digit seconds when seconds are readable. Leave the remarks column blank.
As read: 2,36,53
